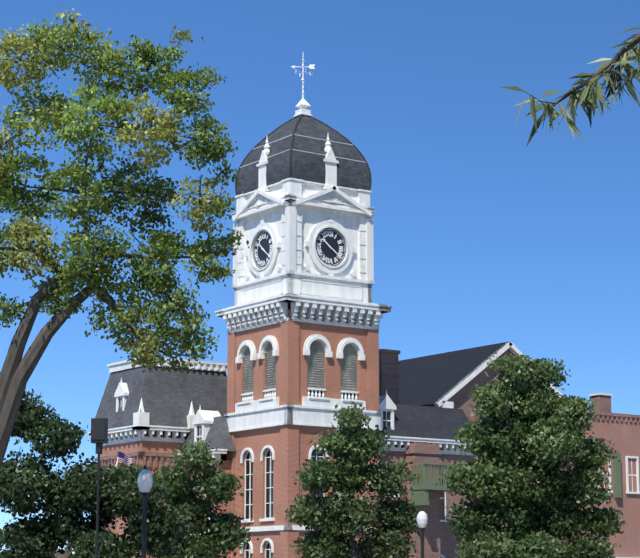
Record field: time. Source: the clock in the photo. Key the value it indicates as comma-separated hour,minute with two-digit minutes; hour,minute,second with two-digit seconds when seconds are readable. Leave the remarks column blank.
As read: 10,21
